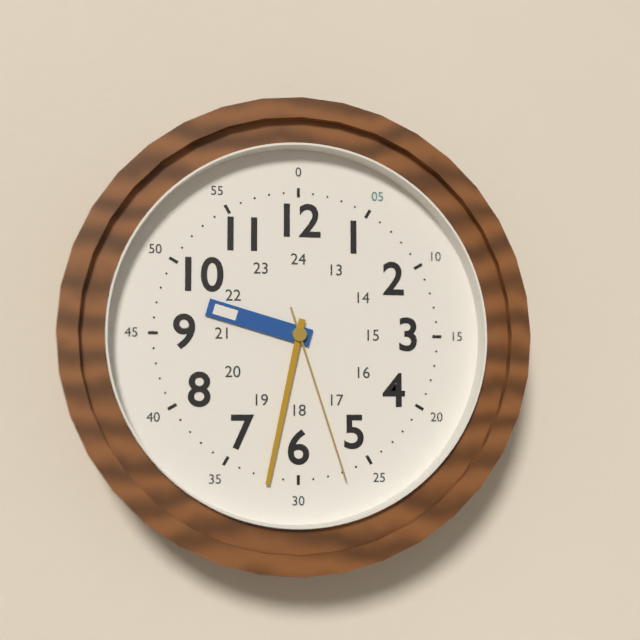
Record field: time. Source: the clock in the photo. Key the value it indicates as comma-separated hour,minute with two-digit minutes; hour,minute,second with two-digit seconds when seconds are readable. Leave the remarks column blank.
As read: 9,32,27
